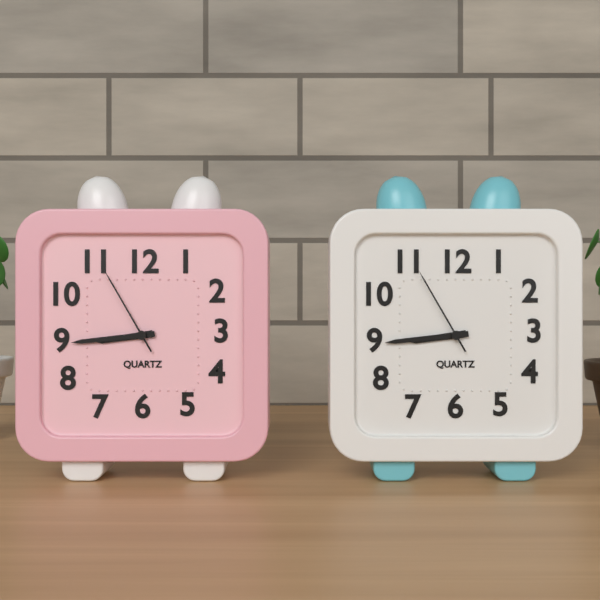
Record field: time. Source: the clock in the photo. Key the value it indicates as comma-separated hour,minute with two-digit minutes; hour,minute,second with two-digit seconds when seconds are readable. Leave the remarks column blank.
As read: 8,44,55
